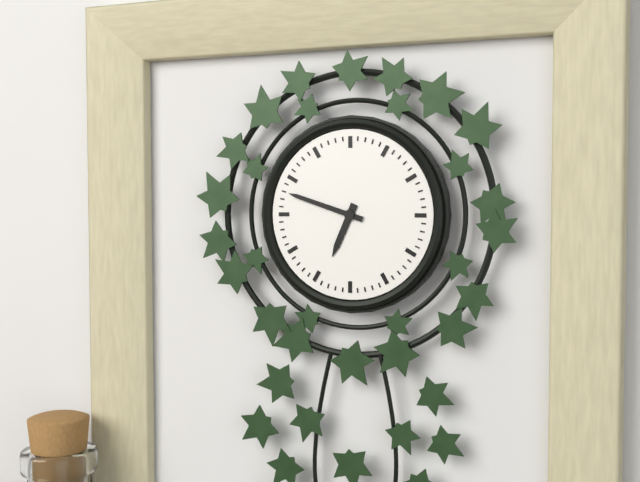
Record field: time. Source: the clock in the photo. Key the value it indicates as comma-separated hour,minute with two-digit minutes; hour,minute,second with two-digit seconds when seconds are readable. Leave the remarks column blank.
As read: 6,48
